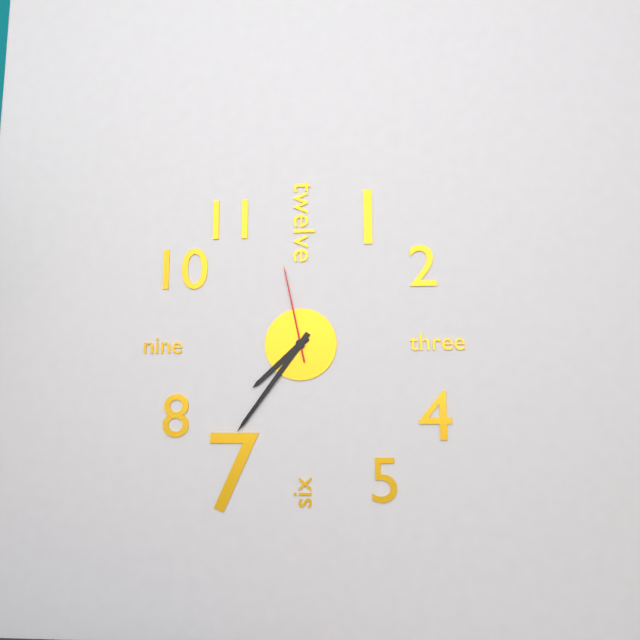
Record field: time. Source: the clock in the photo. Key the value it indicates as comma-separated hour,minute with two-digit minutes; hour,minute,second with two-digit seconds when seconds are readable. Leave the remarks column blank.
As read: 7,36,58
